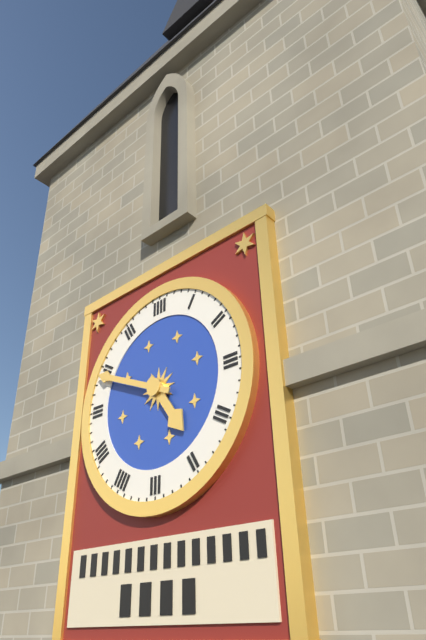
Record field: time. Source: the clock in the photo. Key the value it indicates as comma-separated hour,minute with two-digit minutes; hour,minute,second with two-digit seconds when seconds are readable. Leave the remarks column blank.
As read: 4,49
